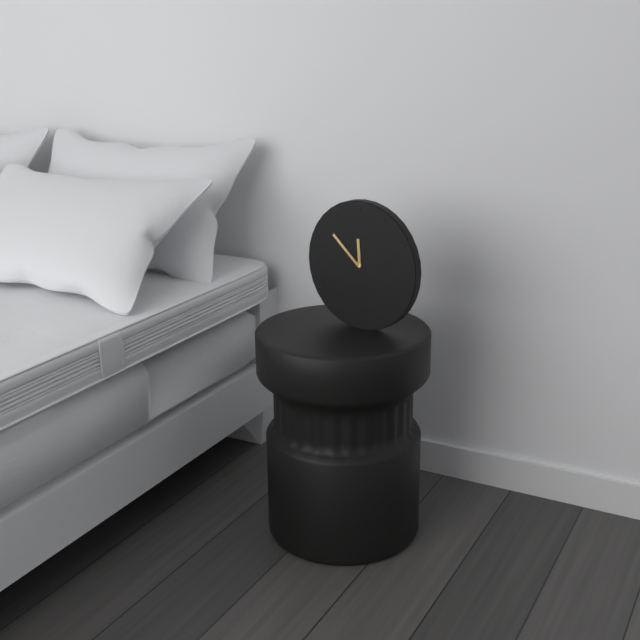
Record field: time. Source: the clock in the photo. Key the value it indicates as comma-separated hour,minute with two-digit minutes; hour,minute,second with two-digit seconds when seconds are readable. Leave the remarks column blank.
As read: 11,52
